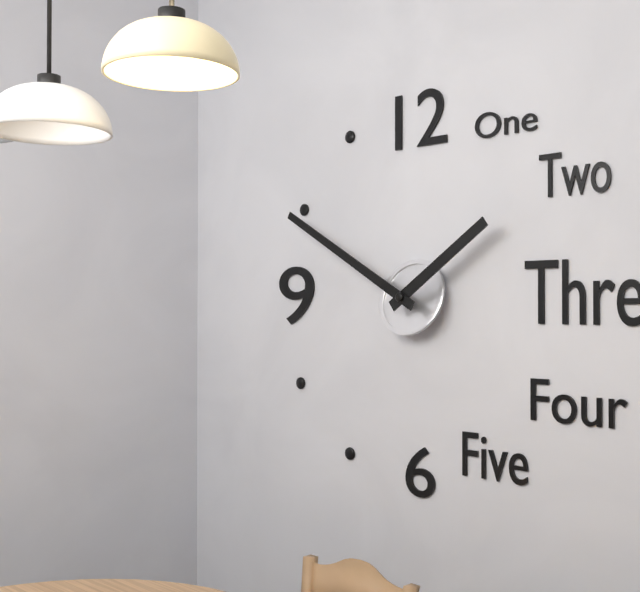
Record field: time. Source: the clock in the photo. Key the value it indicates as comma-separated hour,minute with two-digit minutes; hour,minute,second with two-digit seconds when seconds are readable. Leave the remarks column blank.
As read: 1,50
